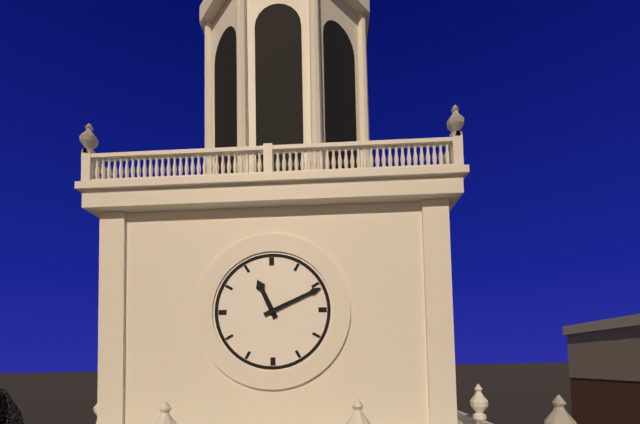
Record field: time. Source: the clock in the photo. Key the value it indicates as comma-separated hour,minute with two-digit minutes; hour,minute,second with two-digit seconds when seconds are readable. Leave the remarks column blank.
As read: 11,11
